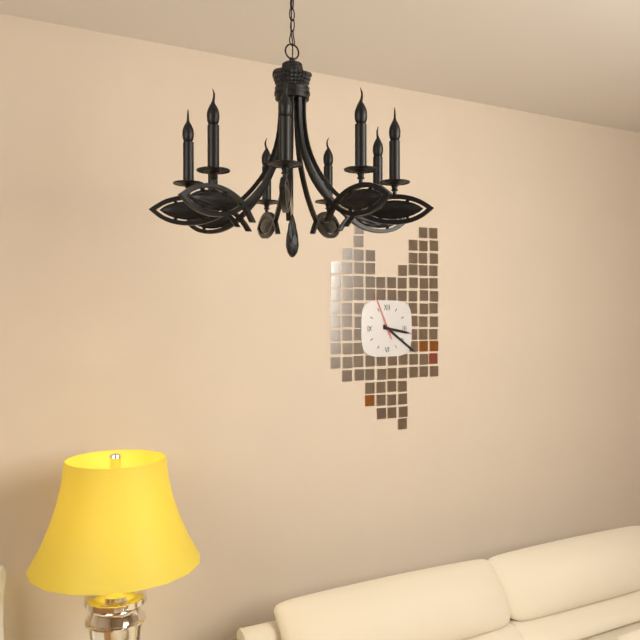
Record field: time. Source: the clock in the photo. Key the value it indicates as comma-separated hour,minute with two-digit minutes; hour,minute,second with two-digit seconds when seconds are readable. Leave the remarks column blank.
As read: 3,21
